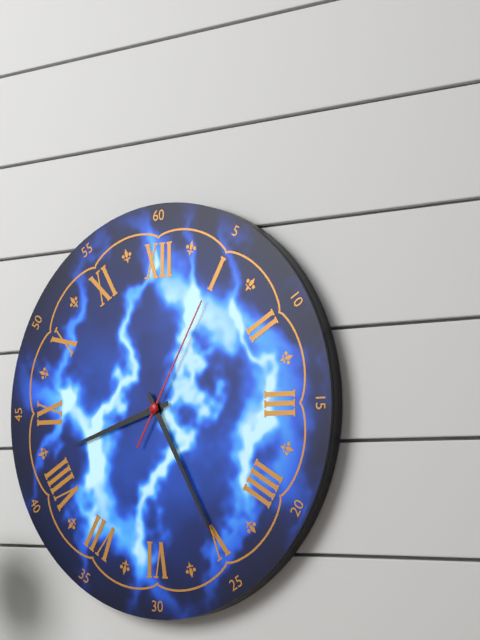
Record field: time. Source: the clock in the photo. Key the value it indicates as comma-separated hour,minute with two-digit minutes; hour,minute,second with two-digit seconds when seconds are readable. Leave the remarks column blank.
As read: 8,25,05
